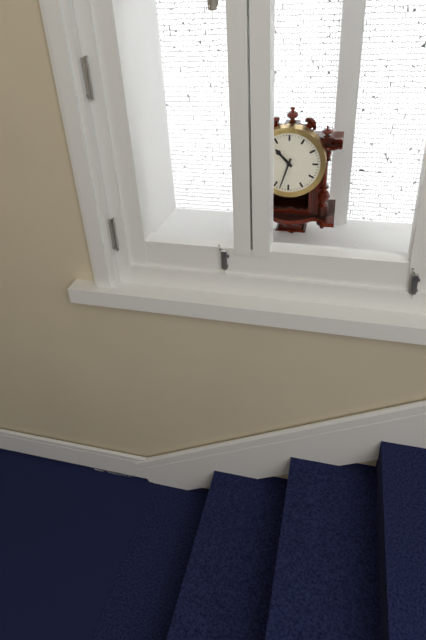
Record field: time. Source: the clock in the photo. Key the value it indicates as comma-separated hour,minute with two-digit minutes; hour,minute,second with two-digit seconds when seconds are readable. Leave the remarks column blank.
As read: 10,33
